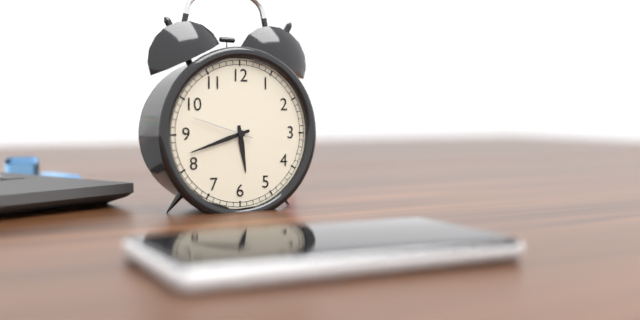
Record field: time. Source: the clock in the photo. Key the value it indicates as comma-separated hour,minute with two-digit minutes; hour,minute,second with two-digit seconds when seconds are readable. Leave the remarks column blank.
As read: 5,42,48
